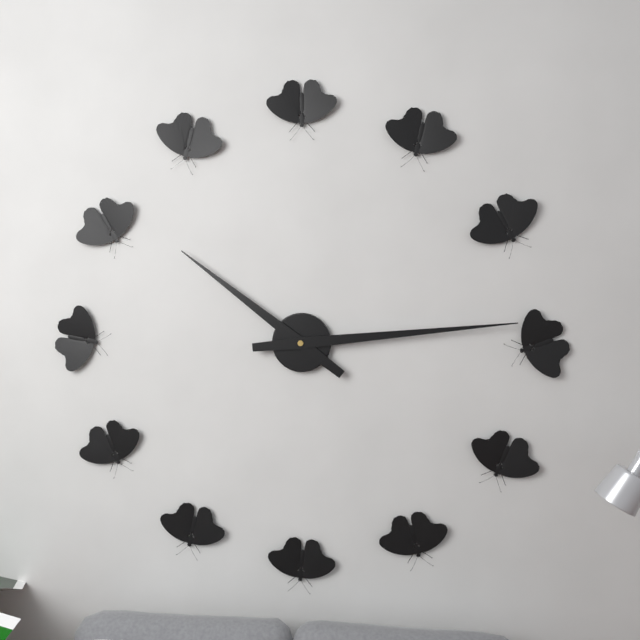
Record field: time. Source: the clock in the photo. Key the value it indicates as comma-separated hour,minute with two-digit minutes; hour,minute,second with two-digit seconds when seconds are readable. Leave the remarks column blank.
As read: 10,14
